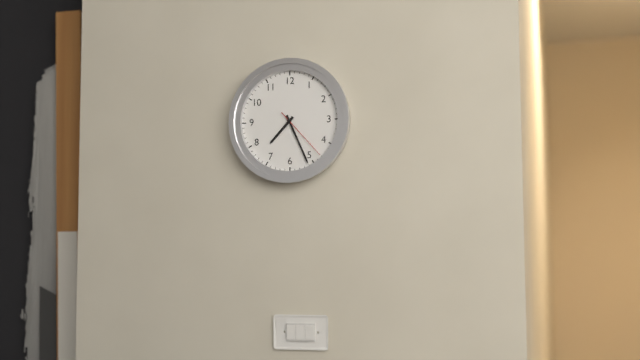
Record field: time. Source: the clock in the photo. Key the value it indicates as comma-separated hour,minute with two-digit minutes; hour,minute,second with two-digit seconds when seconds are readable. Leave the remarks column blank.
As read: 7,26,23
